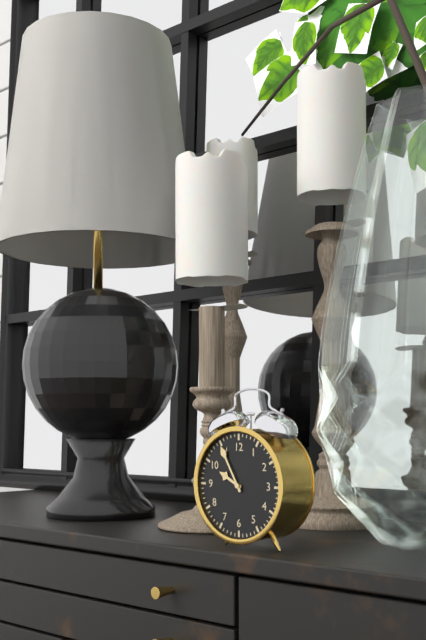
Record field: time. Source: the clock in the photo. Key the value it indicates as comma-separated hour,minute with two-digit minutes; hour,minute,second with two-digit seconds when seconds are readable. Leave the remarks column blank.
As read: 9,55
